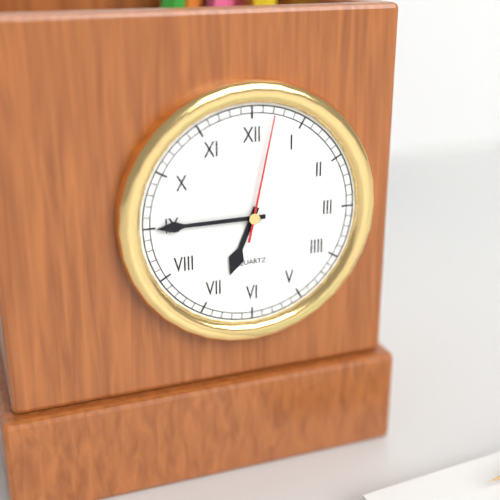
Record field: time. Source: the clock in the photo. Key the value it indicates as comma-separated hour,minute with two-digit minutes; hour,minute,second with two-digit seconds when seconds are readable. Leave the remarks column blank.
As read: 6,45,02
